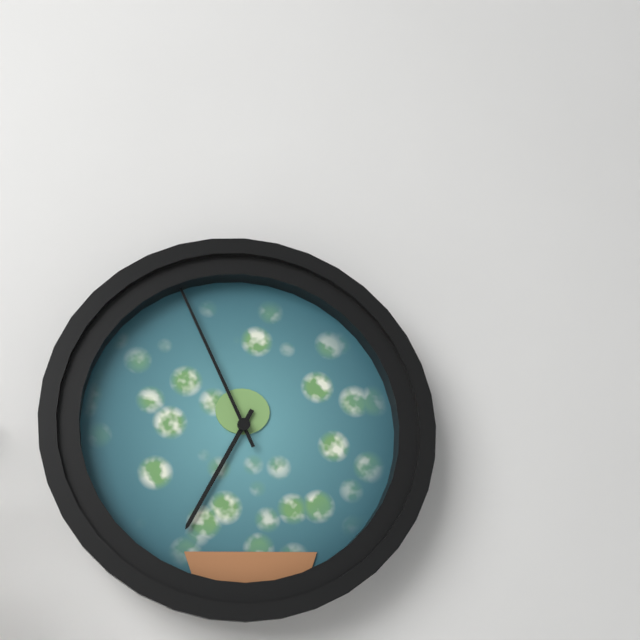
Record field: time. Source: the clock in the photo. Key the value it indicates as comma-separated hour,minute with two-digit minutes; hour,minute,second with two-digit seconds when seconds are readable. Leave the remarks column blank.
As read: 6,56
